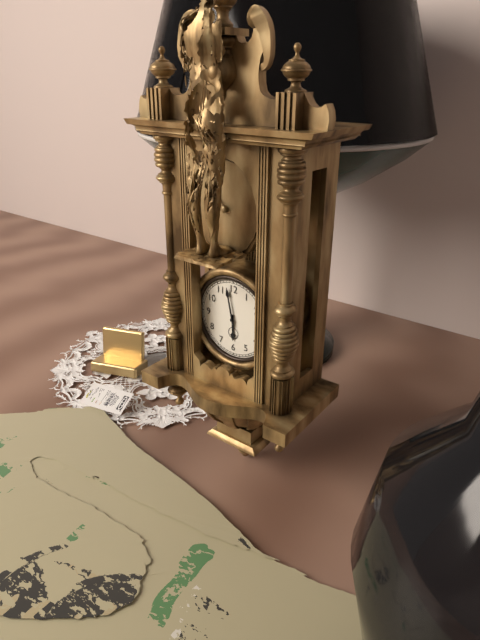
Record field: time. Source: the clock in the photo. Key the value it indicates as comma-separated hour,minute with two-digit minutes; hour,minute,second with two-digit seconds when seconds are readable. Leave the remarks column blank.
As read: 5,58
